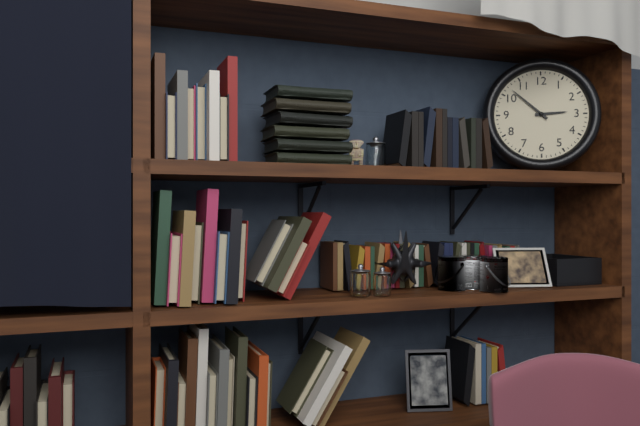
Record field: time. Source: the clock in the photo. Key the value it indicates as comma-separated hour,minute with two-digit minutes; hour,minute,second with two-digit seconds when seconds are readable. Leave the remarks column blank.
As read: 2,52
